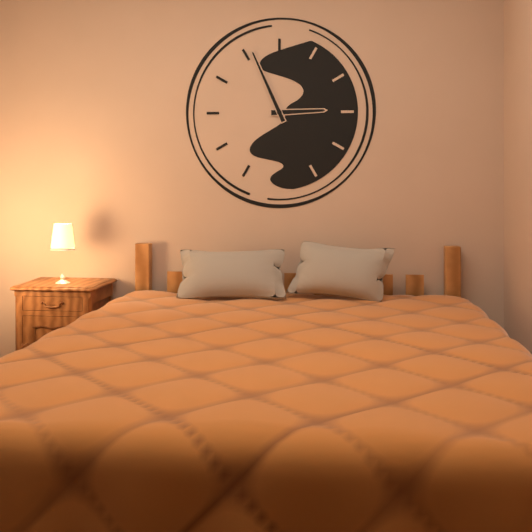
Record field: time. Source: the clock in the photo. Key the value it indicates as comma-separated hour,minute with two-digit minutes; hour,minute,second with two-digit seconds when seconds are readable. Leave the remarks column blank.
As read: 2,56
